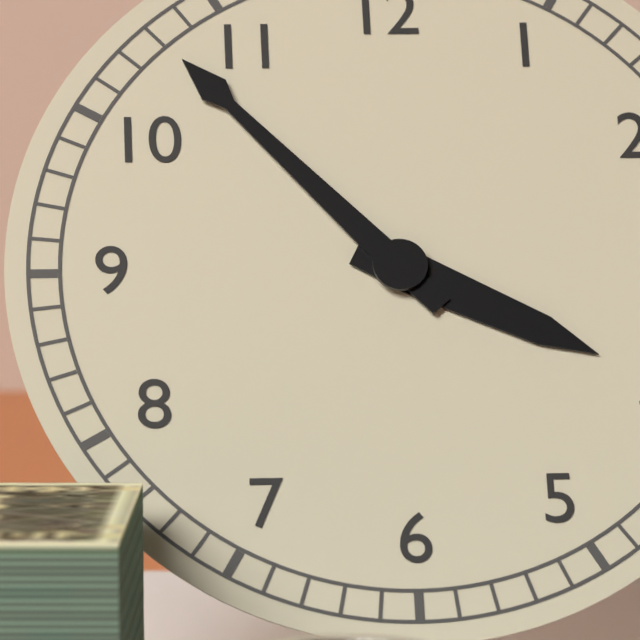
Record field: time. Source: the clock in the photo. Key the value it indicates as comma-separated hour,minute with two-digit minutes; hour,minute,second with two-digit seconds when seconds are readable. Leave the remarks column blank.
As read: 3,53
